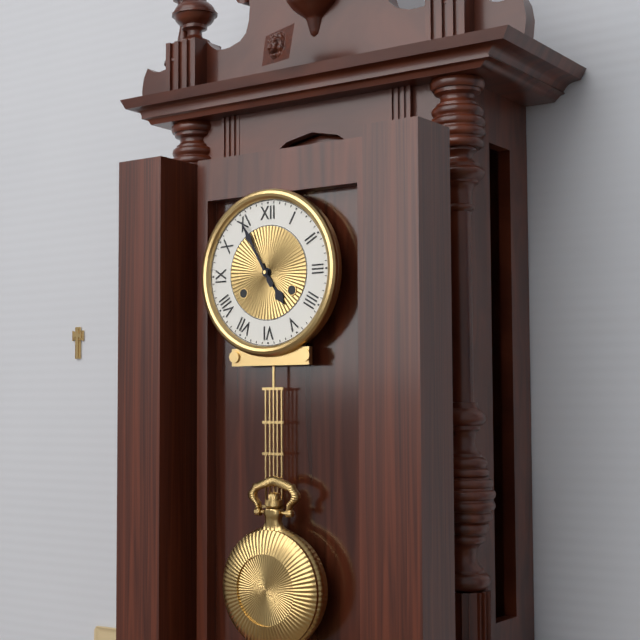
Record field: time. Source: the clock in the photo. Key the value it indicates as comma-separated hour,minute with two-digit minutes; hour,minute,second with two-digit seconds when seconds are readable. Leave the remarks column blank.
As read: 4,55
